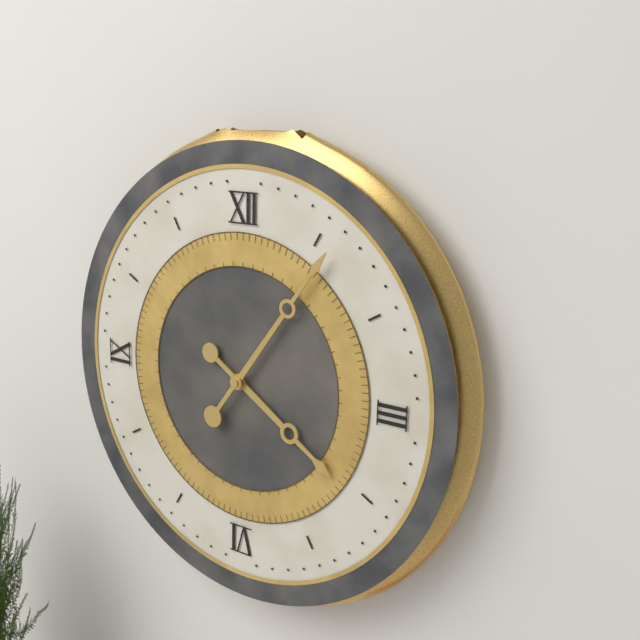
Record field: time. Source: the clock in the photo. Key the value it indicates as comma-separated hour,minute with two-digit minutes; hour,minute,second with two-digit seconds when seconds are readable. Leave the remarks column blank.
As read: 4,06
